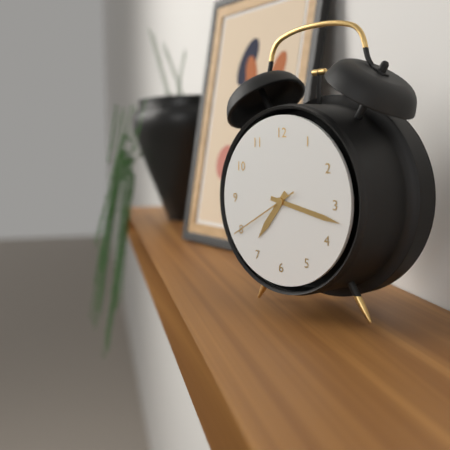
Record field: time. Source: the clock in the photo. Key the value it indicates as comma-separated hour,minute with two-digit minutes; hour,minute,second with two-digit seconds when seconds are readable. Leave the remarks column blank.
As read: 7,17,40
